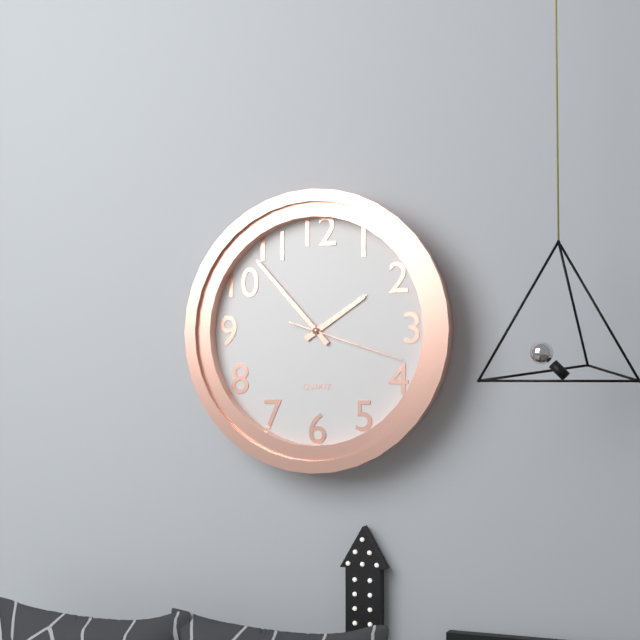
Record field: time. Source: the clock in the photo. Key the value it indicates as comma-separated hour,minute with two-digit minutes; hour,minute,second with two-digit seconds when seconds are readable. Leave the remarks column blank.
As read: 1,53,18
